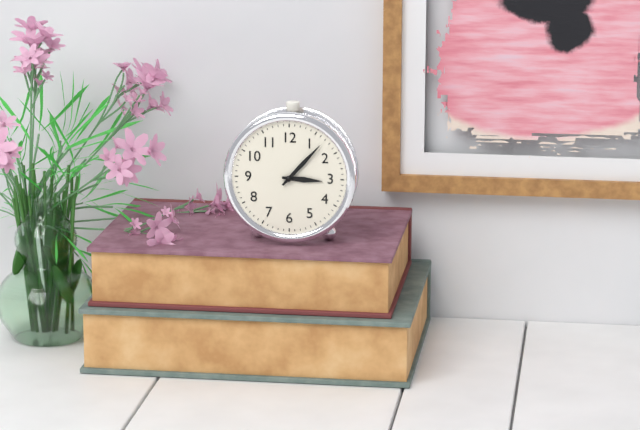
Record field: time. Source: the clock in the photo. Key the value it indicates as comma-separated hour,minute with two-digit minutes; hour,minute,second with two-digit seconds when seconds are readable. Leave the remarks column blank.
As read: 3,07
